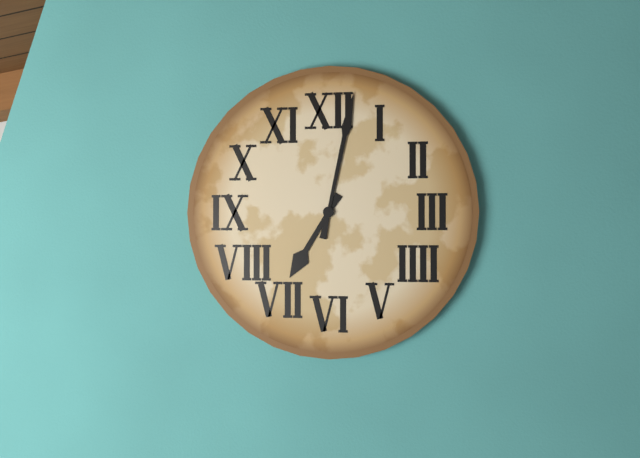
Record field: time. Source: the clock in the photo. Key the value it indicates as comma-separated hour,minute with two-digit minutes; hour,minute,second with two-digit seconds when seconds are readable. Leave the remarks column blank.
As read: 7,02
